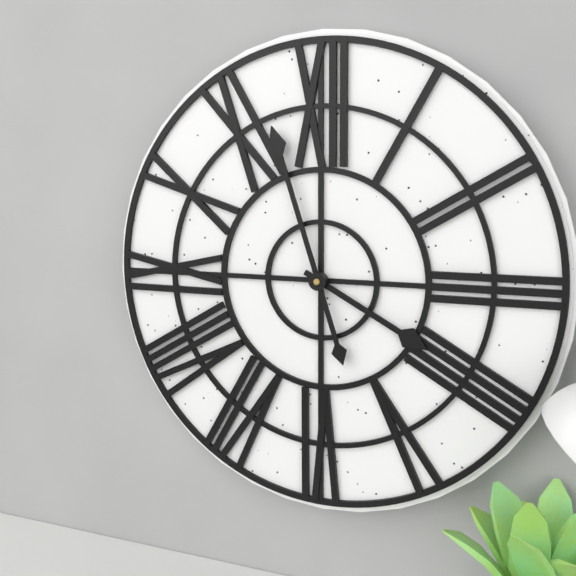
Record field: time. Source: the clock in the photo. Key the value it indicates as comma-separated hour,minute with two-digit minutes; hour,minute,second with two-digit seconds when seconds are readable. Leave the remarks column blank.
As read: 3,57
